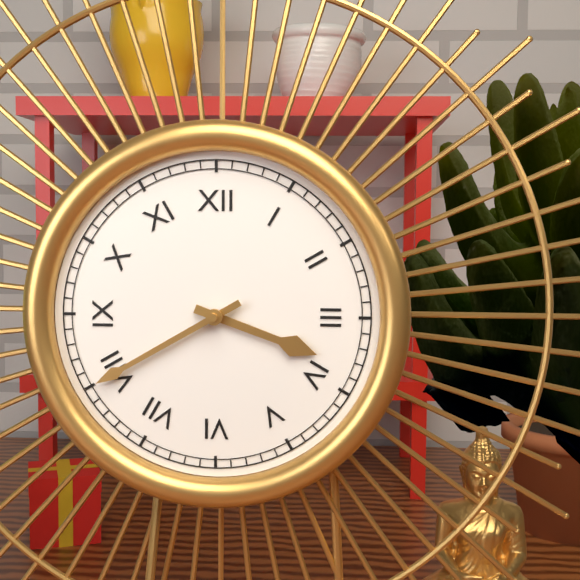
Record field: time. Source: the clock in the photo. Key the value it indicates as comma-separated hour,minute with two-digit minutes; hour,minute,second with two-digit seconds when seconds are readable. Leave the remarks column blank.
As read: 3,40
